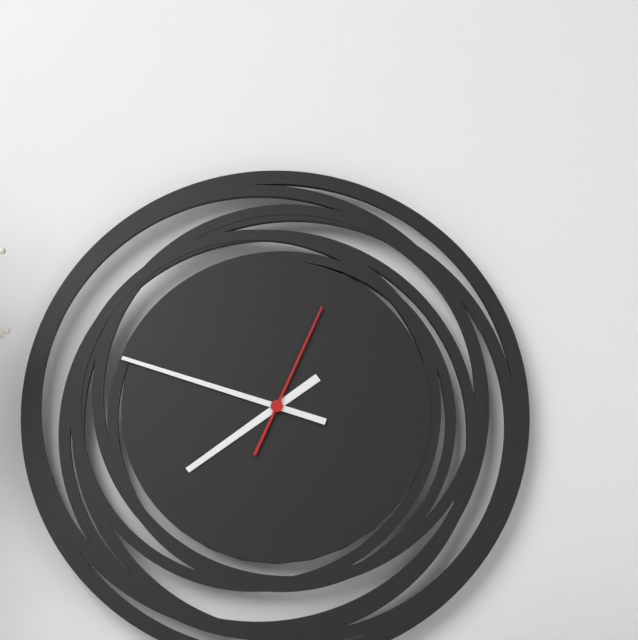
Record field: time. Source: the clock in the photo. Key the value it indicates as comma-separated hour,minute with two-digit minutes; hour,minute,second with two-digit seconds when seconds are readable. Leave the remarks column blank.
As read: 7,48,04
